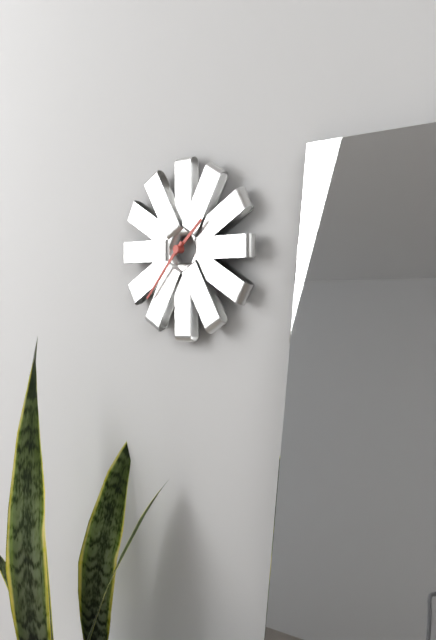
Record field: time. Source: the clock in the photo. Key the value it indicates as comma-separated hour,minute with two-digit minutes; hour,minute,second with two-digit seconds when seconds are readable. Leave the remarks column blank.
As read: 1,37
